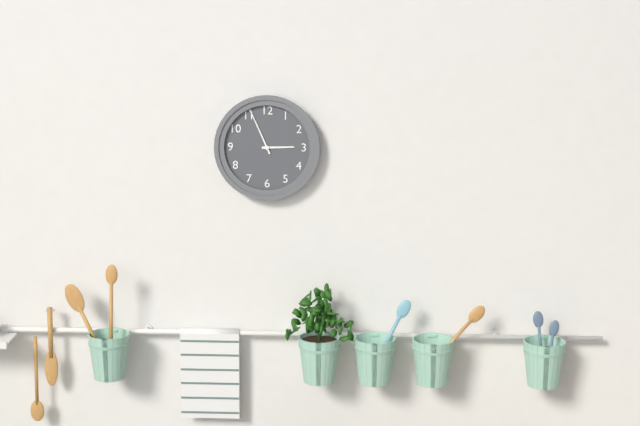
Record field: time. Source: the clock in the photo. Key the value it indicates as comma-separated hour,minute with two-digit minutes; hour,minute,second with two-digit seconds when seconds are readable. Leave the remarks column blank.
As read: 2,56
